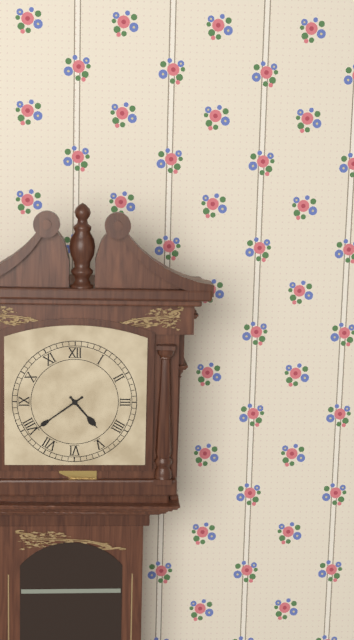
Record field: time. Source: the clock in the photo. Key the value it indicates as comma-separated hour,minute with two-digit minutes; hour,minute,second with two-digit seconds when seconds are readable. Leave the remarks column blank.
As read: 4,39
